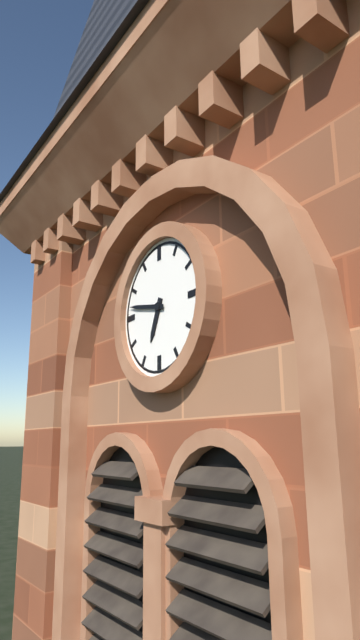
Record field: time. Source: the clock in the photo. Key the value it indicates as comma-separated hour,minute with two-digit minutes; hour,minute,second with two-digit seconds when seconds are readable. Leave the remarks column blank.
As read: 6,47
